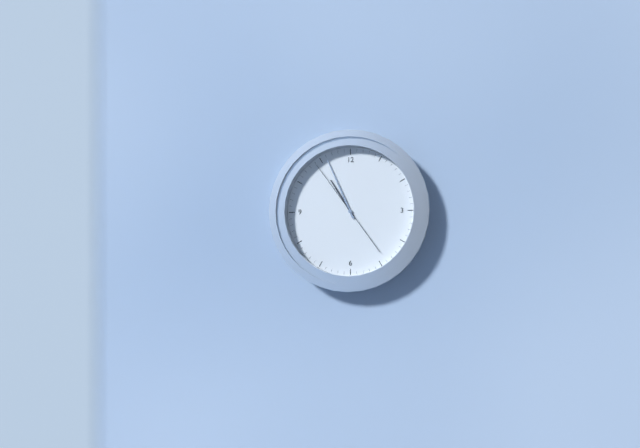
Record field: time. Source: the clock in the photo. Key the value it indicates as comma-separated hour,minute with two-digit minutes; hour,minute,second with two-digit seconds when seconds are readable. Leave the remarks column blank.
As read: 10,56,54
